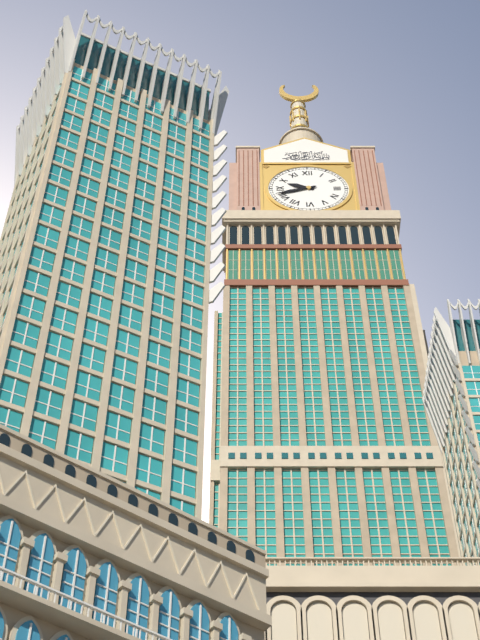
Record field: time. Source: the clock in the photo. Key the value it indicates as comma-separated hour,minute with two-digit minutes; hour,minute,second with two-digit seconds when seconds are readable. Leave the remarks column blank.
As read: 9,42
